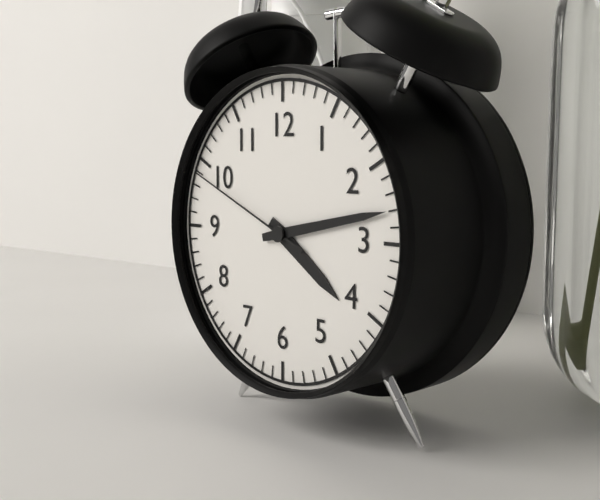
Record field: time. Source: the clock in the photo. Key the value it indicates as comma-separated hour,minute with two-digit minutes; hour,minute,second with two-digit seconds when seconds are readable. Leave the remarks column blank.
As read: 4,13,49
